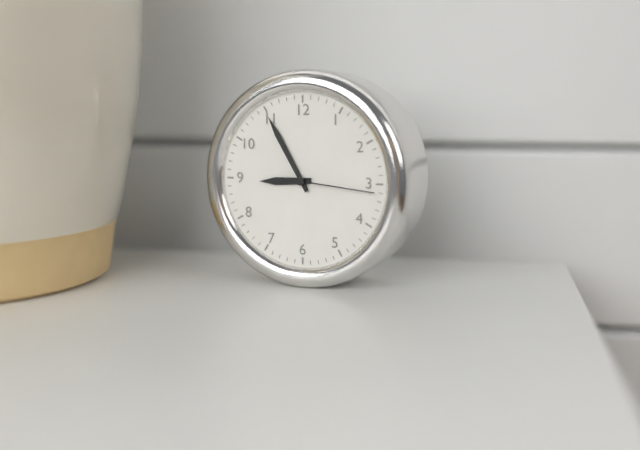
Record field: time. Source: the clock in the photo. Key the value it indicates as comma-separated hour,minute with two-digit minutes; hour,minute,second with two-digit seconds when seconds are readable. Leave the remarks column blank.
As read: 8,55,16
